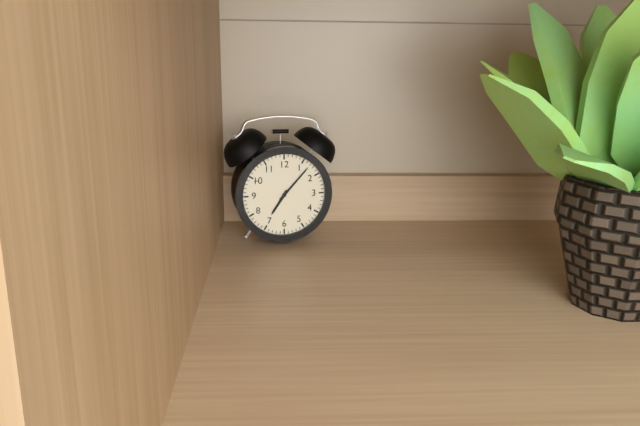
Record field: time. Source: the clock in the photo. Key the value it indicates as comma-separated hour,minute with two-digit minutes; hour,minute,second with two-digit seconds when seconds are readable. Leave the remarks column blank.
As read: 7,07
